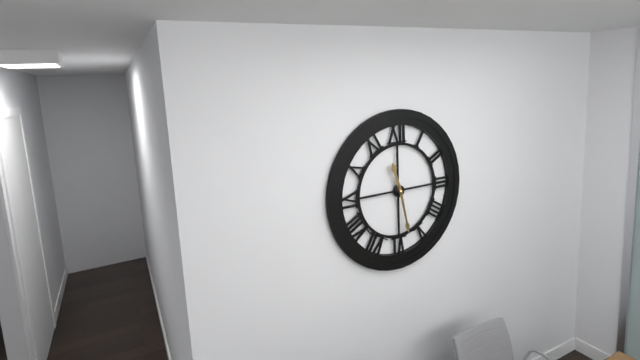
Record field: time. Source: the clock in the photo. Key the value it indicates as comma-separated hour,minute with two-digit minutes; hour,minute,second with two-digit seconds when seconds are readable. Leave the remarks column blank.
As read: 11,28
